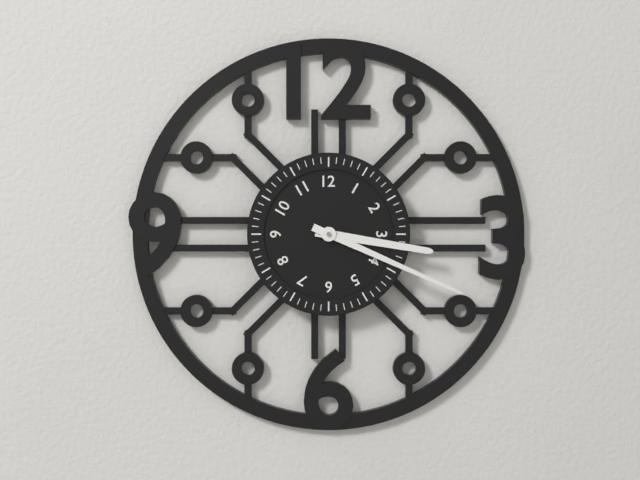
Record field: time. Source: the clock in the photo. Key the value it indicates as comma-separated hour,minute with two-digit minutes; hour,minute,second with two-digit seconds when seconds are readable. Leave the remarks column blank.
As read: 3,19
